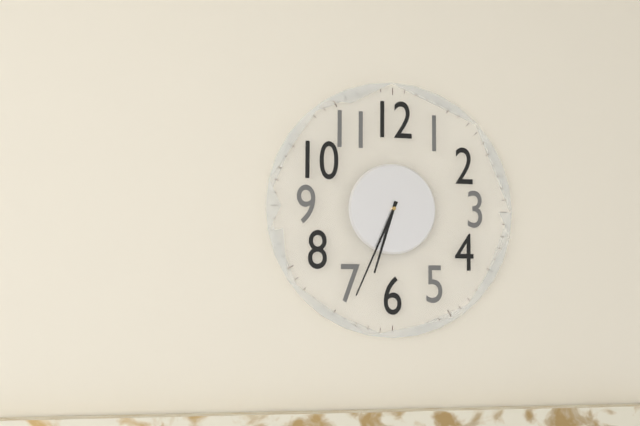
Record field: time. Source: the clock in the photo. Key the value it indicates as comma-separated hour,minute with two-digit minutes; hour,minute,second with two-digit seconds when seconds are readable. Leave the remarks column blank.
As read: 6,34
